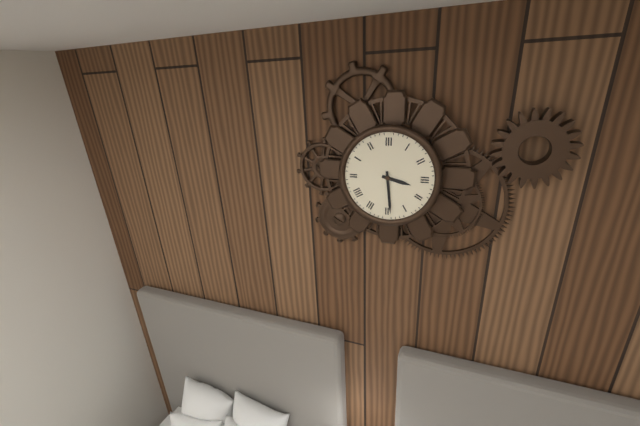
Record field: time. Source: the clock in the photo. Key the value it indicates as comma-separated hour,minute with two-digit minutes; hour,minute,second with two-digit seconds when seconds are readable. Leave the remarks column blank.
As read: 3,29
